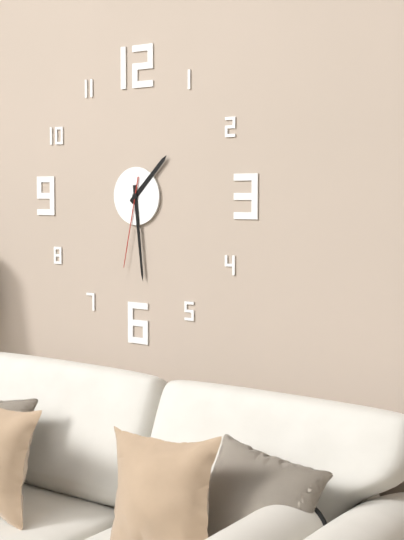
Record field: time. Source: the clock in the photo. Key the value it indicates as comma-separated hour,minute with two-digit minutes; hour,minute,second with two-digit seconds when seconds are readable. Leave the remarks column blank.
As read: 1,29,32
